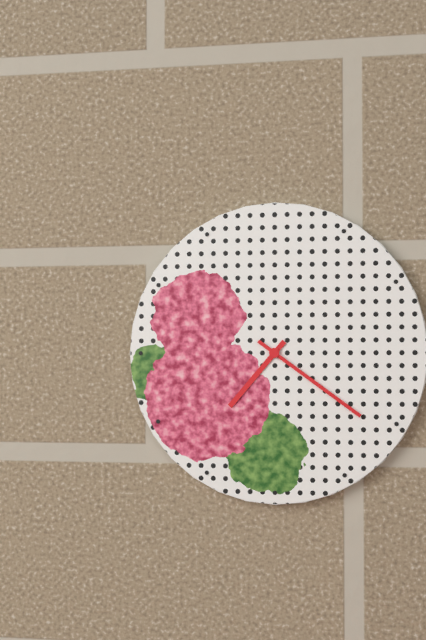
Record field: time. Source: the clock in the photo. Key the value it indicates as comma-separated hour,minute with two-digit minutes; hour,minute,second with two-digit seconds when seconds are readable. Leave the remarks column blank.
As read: 7,21
